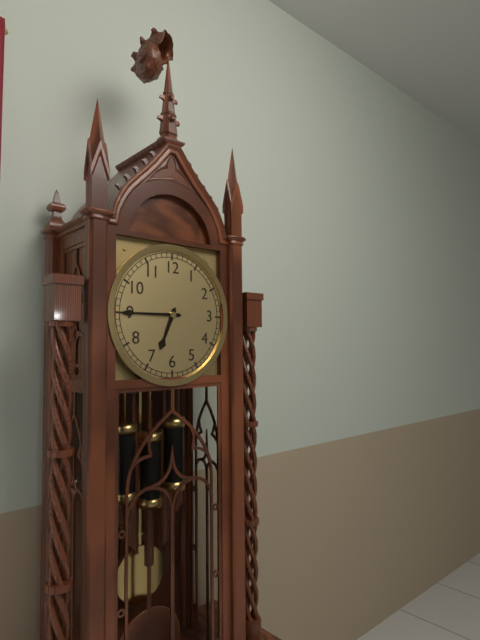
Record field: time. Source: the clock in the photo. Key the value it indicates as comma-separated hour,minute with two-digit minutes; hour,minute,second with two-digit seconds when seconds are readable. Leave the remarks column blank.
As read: 6,45
